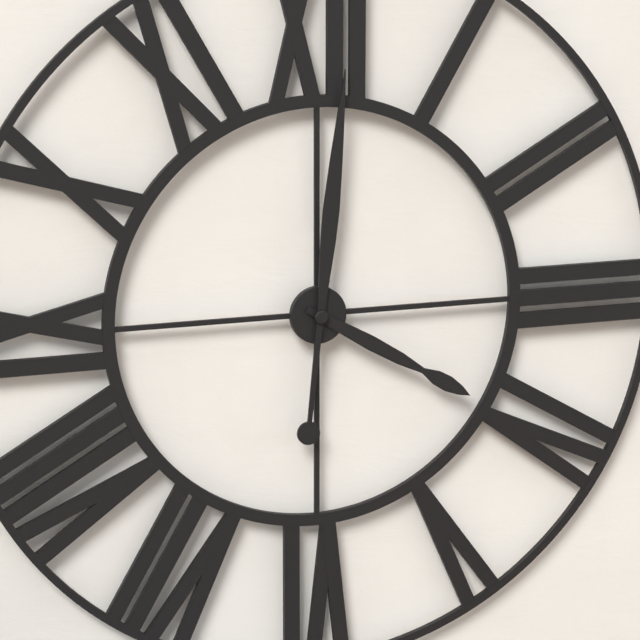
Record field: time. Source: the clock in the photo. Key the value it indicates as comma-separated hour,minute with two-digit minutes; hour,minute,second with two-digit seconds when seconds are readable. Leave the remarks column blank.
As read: 4,01
